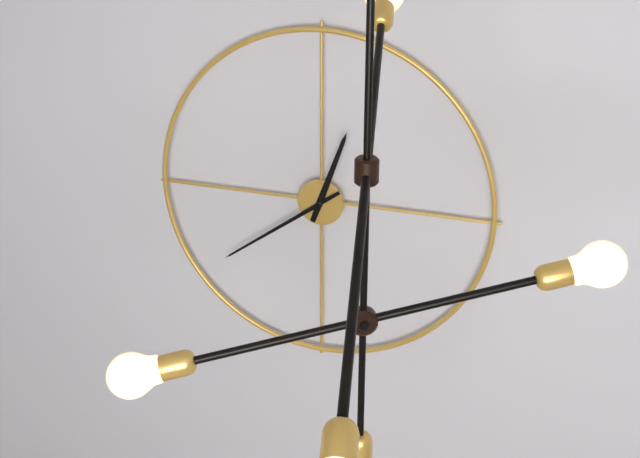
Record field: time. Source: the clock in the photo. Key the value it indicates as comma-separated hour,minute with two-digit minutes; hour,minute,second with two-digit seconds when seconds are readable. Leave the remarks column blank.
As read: 12,39
